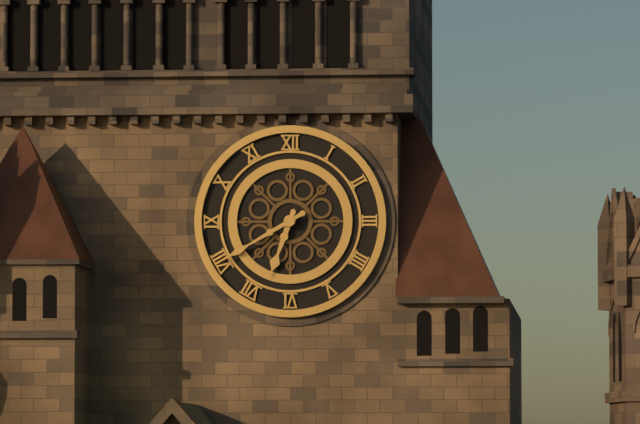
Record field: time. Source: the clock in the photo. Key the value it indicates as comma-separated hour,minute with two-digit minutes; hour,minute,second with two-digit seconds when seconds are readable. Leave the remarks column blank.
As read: 6,40
